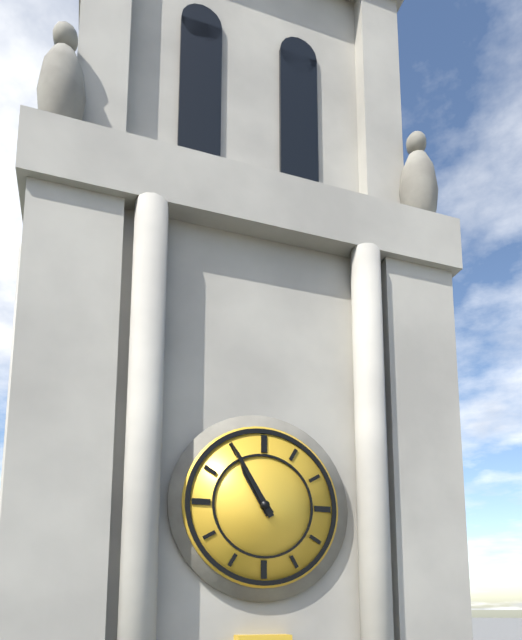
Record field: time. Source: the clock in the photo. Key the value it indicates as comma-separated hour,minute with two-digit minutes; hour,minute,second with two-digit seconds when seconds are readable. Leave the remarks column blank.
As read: 10,55
